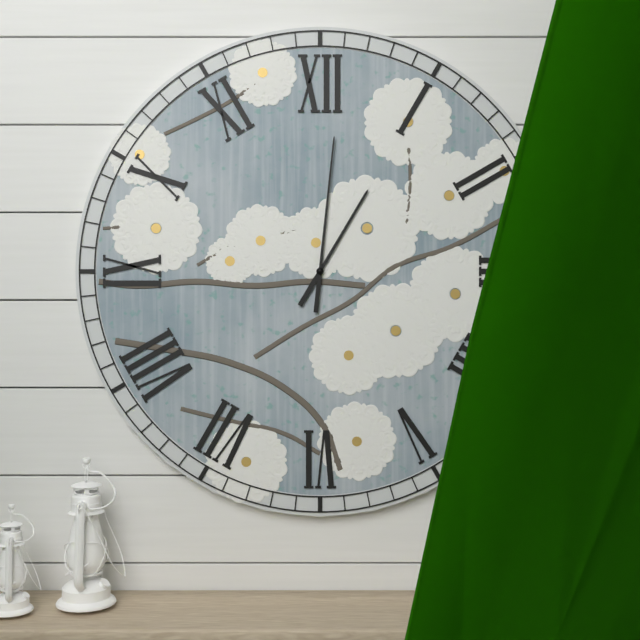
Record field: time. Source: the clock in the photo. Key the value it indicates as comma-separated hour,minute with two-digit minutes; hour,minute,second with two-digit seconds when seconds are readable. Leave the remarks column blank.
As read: 1,01
